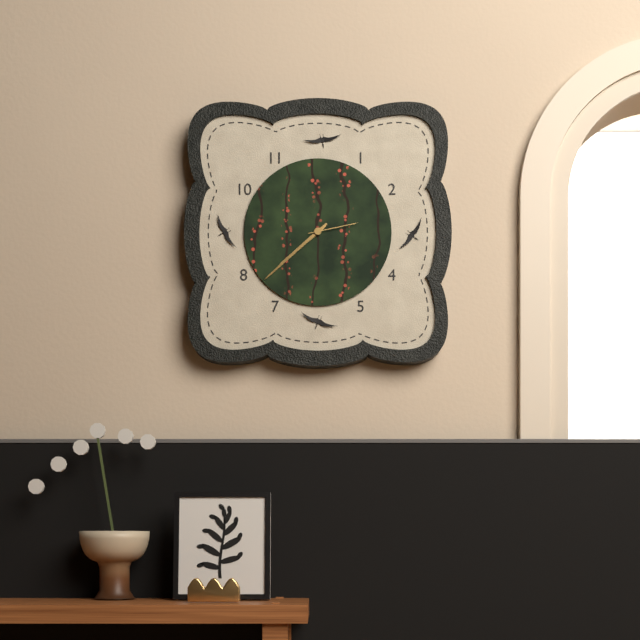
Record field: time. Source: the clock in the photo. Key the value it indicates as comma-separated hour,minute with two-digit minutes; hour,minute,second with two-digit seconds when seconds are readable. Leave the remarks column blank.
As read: 7,38,13
